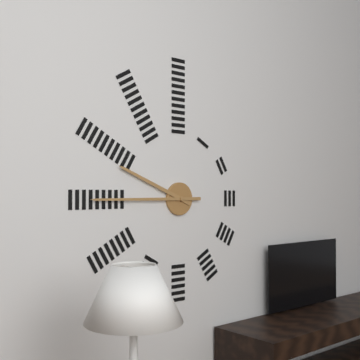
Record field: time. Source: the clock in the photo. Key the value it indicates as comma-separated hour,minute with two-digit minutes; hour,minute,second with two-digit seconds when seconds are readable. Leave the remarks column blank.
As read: 9,45
